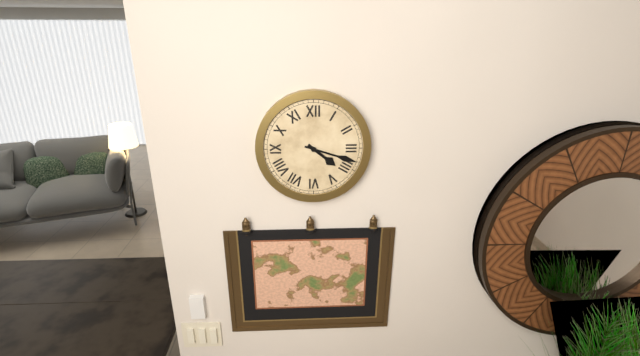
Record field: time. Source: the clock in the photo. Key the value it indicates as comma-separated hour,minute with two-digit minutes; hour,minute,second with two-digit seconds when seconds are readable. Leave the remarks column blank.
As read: 4,18
